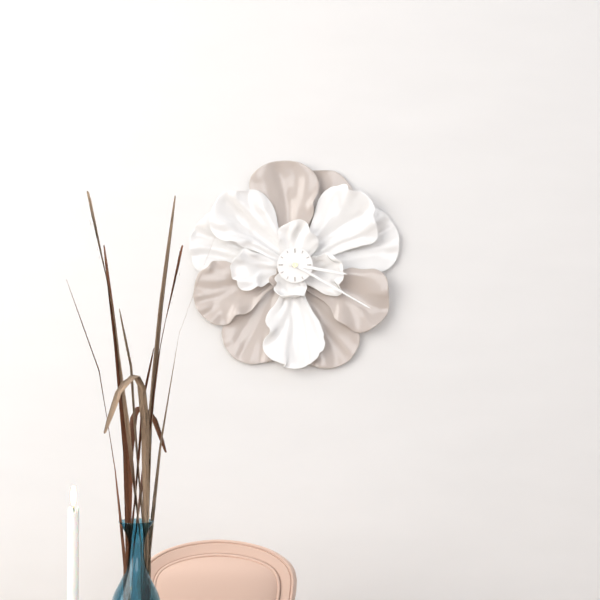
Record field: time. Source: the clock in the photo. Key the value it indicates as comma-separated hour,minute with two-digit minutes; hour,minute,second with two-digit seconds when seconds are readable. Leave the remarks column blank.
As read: 3,20
